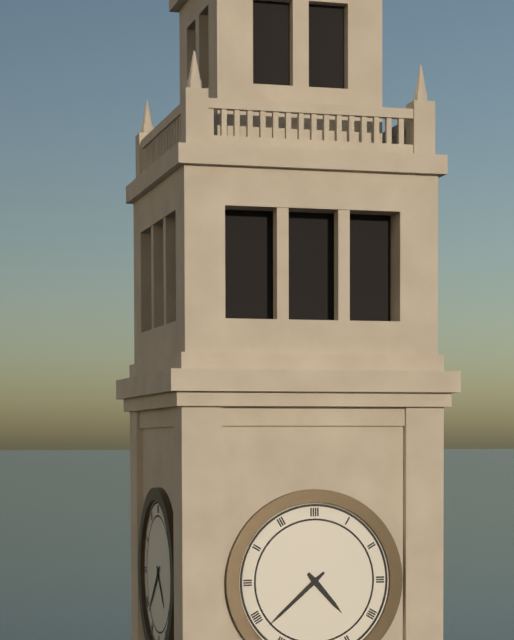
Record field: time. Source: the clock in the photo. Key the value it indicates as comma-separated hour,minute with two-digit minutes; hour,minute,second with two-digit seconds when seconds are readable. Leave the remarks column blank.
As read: 4,38
